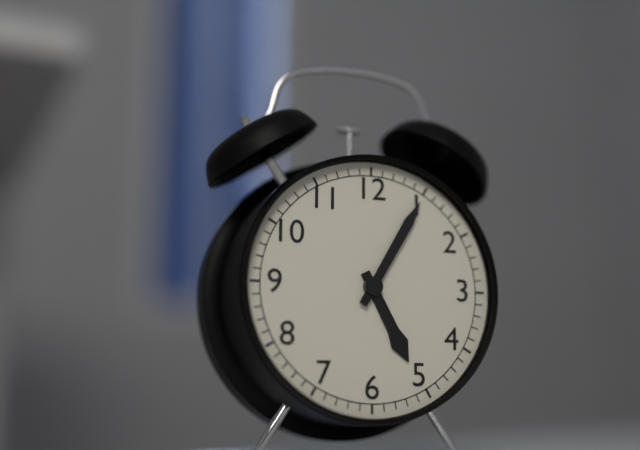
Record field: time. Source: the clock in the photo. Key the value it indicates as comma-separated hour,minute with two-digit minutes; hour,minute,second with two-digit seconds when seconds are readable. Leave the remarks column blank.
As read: 5,05
